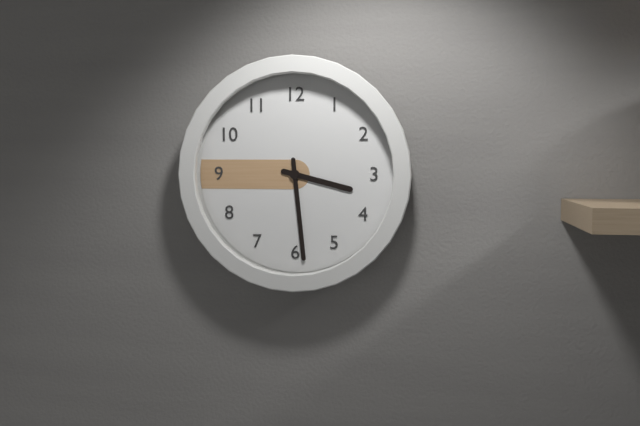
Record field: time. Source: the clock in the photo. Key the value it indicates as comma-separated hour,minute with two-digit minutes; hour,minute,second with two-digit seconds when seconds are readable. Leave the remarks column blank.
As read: 3,29
